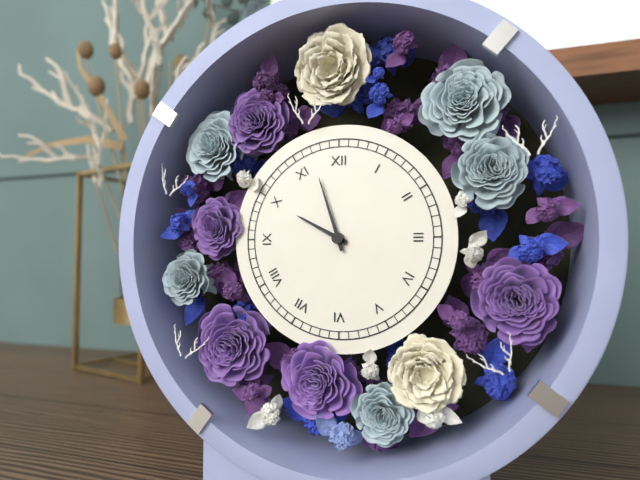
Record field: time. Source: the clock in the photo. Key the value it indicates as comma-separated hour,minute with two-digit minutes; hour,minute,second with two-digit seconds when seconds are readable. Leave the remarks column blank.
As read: 9,57
